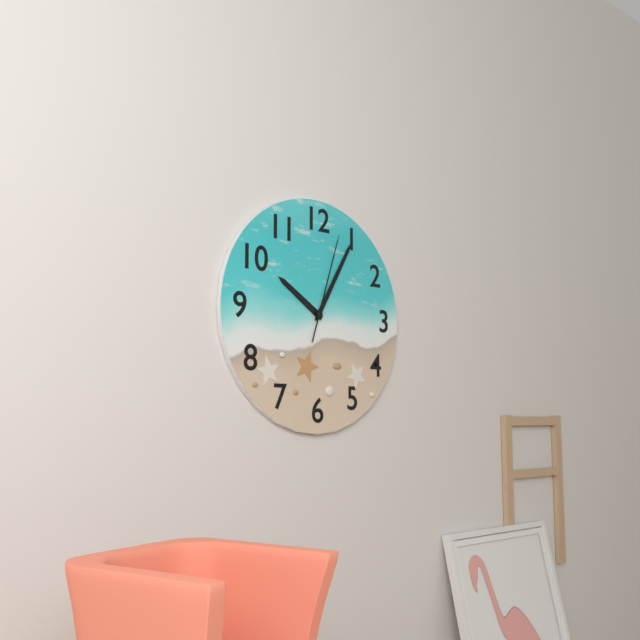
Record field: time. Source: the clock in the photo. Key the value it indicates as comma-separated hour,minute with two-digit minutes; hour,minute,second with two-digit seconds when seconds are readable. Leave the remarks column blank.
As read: 10,05,03
